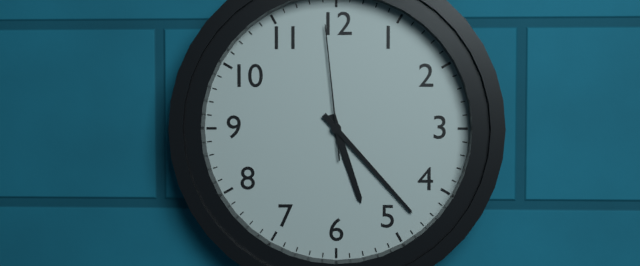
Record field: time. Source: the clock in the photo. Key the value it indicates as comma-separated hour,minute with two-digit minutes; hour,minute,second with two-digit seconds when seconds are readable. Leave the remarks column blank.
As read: 5,23,59
